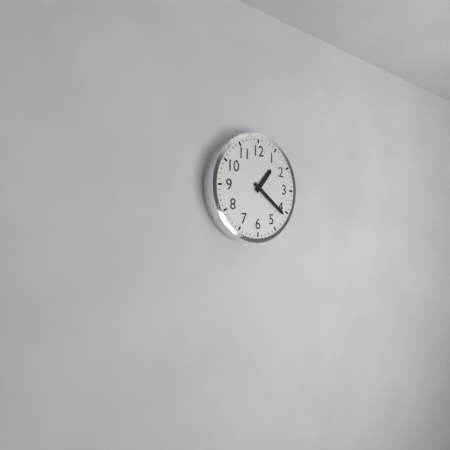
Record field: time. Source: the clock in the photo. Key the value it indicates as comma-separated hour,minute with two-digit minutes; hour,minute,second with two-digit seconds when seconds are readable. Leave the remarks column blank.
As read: 1,21
